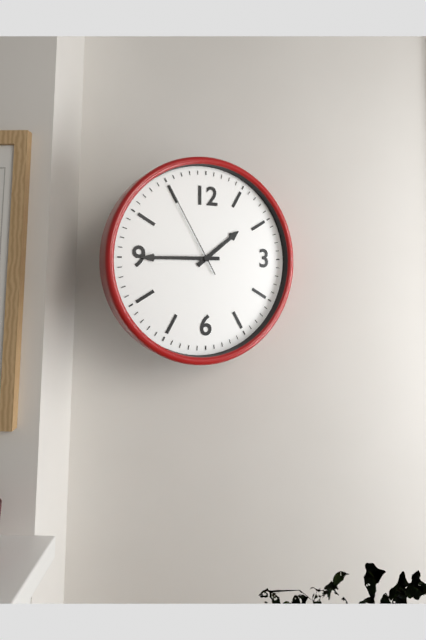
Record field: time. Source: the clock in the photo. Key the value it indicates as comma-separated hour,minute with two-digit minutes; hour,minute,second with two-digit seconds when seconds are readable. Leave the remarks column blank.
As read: 1,45,55
